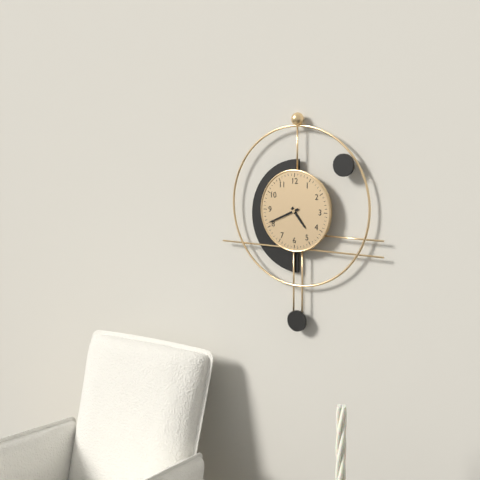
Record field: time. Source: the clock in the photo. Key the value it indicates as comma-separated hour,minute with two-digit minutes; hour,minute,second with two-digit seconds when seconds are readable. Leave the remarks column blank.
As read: 4,41
